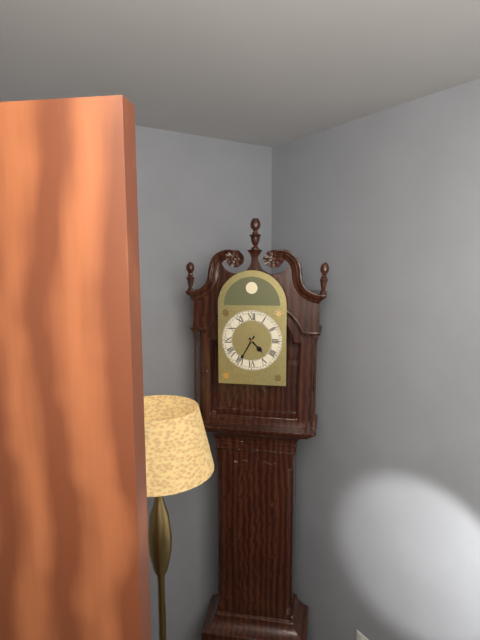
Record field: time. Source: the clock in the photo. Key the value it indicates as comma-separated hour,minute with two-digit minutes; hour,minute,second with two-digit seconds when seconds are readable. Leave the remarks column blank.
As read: 4,35
